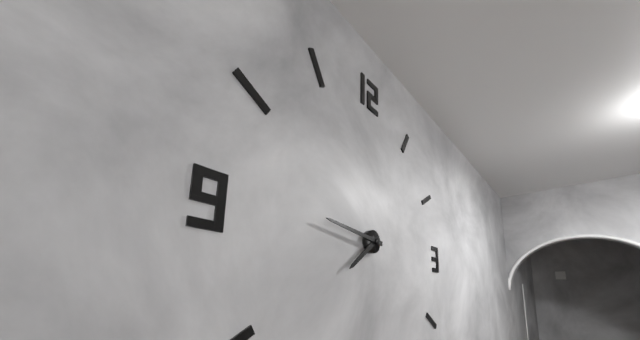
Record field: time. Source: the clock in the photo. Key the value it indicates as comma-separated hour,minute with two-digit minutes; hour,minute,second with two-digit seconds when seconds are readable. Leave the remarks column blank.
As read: 7,46
